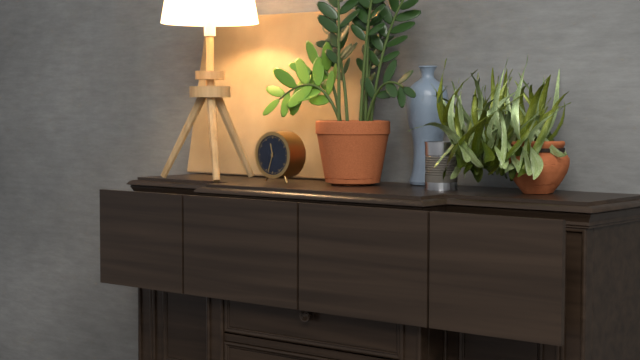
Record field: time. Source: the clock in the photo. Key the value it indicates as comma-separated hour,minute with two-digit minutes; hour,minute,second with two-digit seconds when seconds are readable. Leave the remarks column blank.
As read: 11,33
